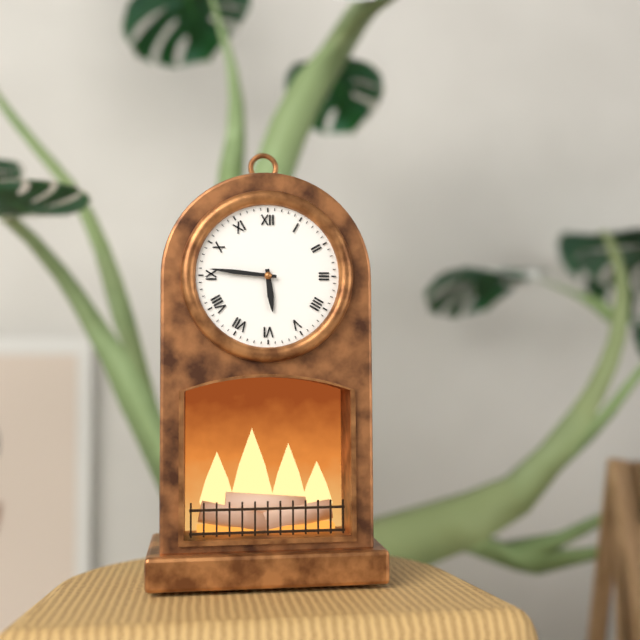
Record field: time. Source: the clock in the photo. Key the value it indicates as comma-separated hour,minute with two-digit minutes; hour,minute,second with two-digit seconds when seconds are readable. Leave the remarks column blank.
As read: 5,46
